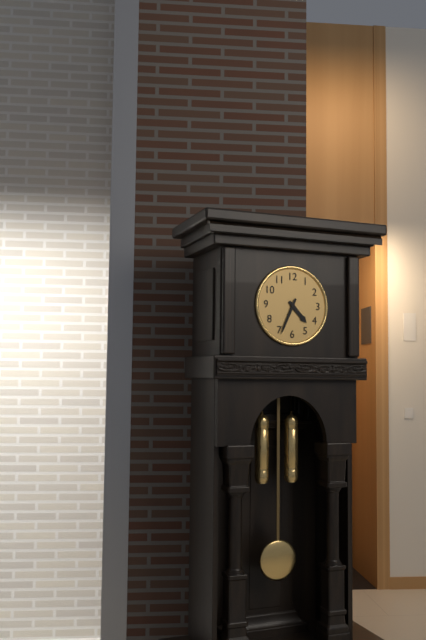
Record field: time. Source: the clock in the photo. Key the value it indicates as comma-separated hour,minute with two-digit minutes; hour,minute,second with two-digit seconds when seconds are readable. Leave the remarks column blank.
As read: 4,34
